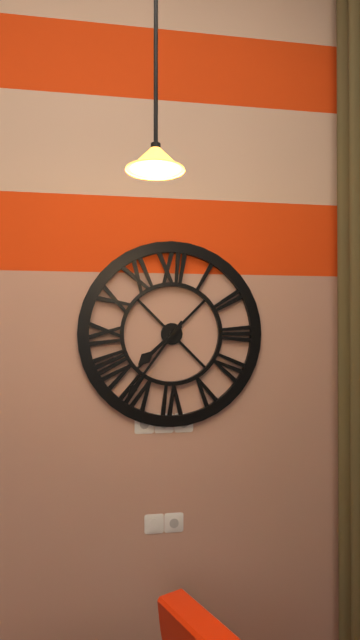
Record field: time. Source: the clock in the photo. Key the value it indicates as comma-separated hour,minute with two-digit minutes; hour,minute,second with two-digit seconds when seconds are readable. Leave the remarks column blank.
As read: 7,36
